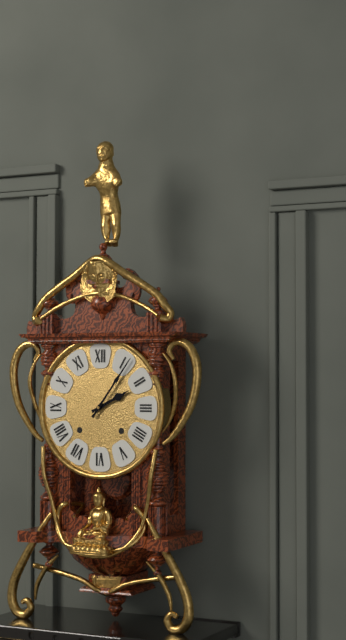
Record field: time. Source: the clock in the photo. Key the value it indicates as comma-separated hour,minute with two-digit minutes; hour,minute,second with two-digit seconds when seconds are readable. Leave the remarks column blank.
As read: 2,06
